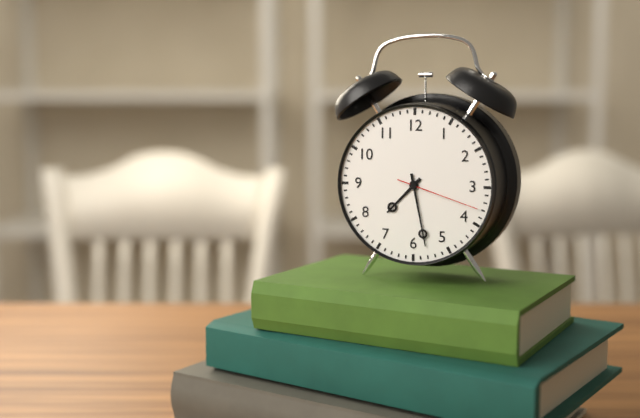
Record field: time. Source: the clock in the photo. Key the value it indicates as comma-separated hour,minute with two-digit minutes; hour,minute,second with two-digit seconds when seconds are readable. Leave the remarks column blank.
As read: 7,28,18
